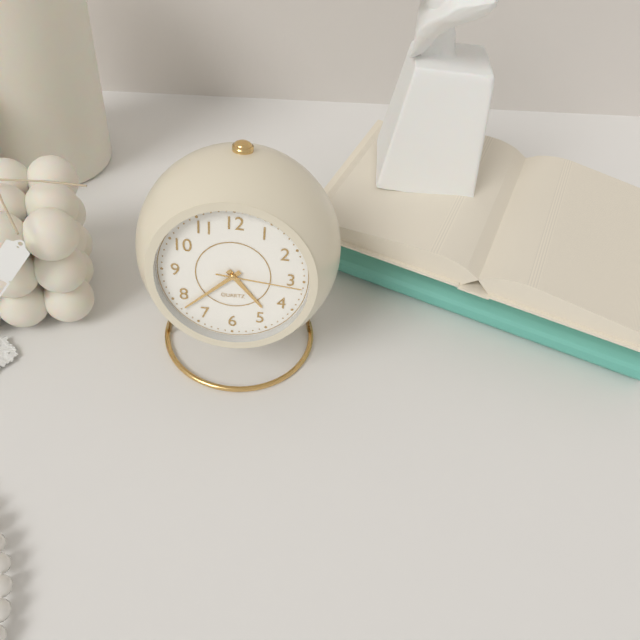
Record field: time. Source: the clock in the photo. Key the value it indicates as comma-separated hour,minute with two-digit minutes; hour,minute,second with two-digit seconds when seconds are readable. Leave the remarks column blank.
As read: 4,38,16
